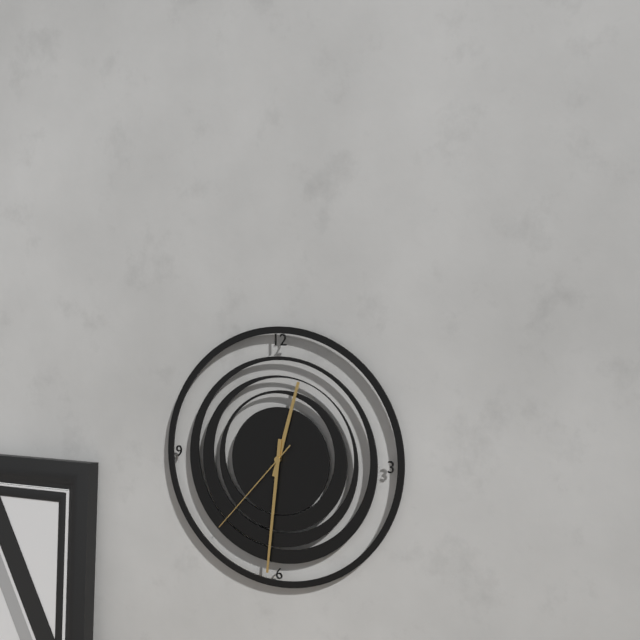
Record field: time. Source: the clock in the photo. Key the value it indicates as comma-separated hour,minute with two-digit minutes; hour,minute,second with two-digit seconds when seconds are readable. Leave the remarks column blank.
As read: 12,31,37
